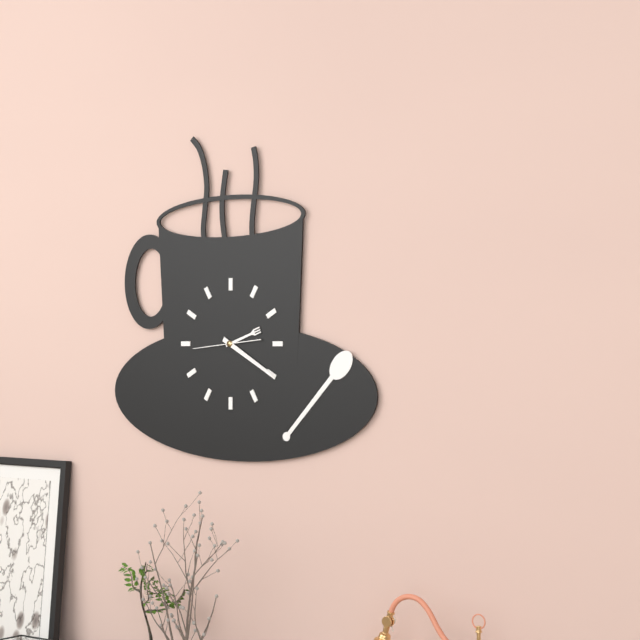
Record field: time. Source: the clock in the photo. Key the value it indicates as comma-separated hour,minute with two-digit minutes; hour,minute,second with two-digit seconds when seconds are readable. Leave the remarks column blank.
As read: 2,20,44
